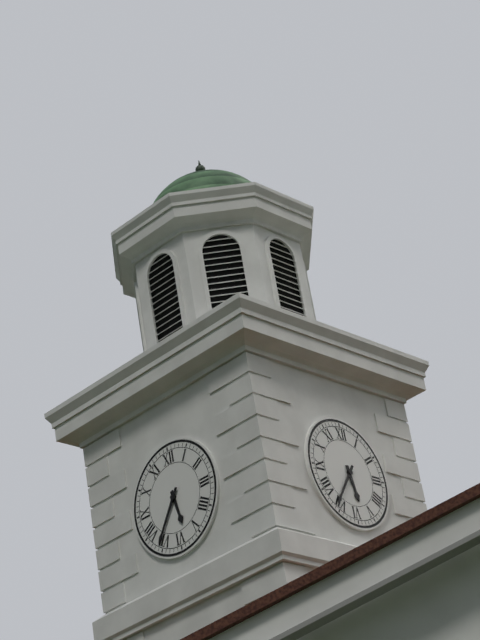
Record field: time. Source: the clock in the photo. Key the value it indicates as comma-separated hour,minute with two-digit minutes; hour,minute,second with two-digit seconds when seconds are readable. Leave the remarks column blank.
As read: 5,36
